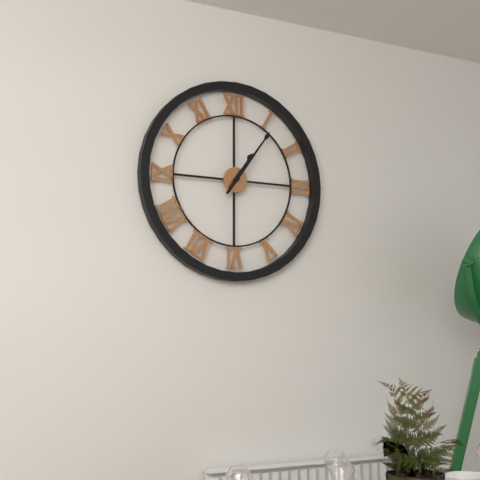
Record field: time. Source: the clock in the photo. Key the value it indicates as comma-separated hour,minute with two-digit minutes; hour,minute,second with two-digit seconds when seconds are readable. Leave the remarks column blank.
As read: 1,06
